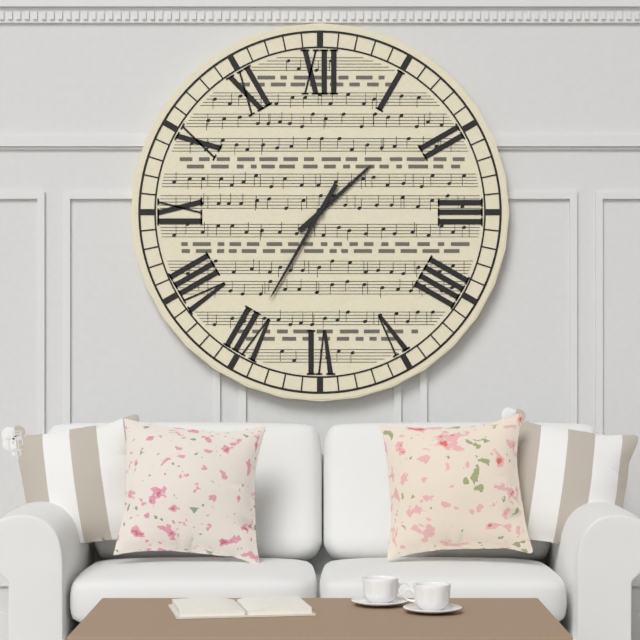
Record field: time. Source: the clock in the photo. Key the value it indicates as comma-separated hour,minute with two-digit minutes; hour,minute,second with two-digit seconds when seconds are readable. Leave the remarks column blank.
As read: 1,35
